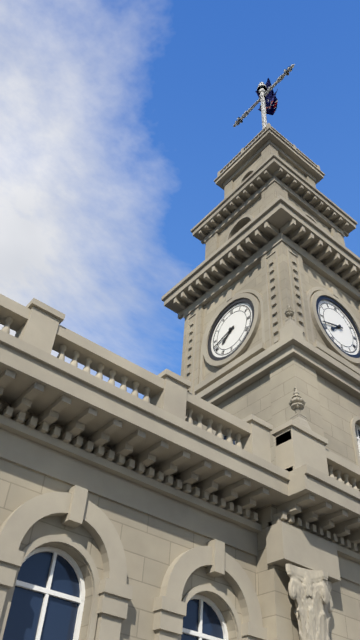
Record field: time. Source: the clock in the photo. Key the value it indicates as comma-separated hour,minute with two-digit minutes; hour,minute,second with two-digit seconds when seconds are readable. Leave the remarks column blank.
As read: 7,42
